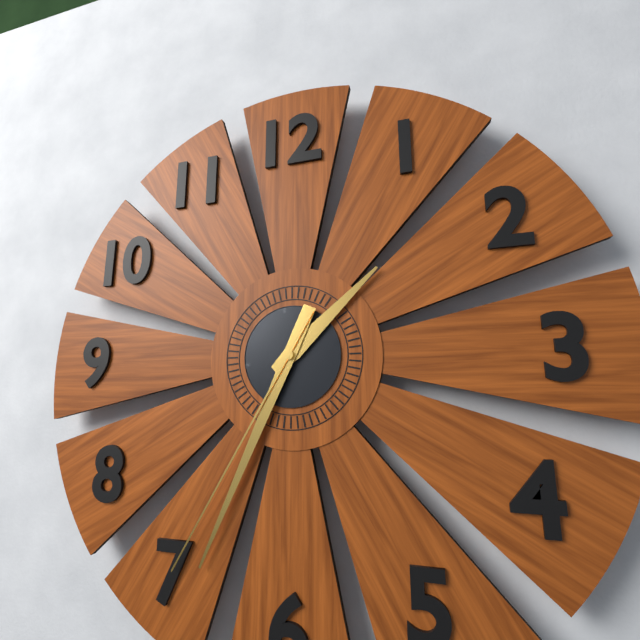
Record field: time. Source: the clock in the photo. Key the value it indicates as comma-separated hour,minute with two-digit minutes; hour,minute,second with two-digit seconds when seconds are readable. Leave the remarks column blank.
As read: 1,34,35
